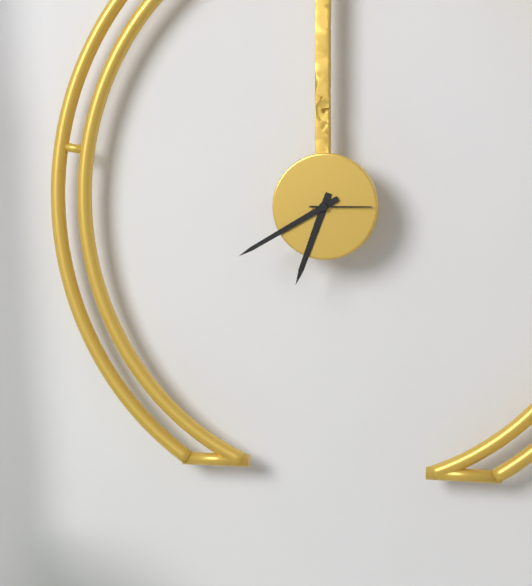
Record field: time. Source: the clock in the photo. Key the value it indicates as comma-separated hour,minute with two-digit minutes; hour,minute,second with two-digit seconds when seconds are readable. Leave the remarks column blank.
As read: 6,40,15
